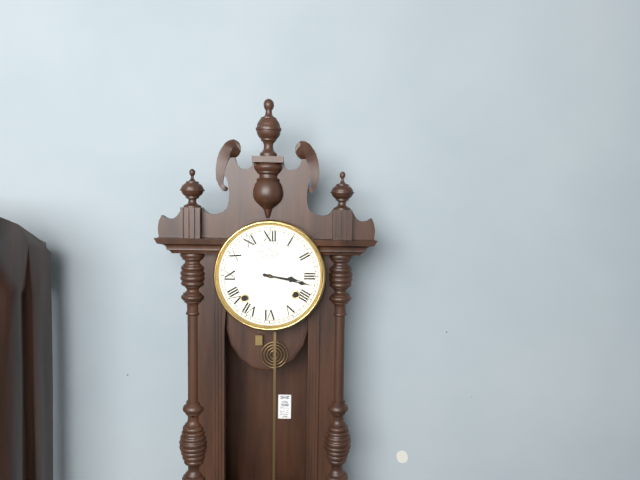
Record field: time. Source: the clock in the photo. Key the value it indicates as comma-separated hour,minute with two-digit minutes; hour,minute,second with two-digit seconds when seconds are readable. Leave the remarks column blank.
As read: 3,17
